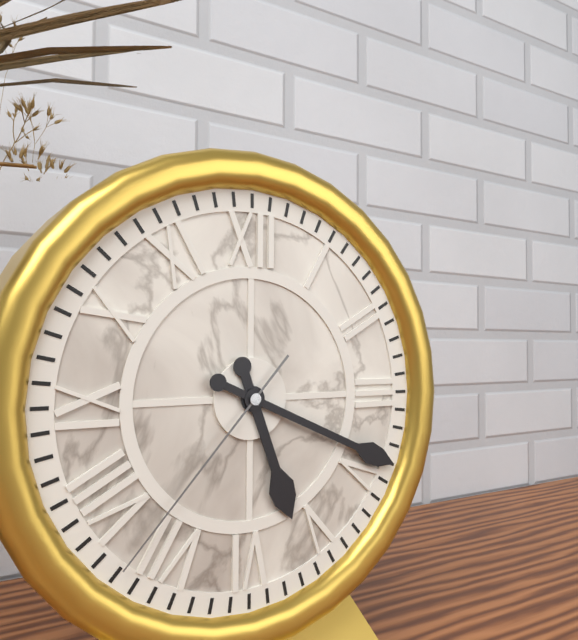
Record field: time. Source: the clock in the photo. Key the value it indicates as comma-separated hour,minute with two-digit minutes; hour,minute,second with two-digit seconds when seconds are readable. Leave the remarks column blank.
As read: 5,19,37
